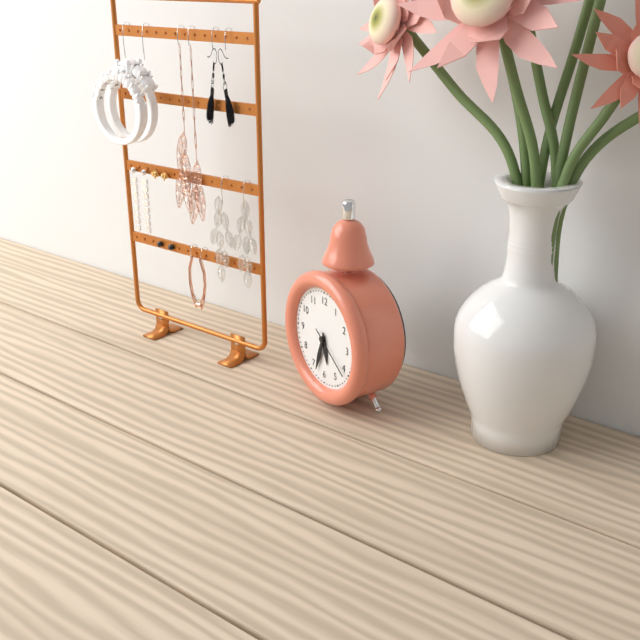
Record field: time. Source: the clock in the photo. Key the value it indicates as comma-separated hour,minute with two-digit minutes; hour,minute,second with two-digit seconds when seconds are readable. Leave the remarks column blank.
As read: 5,33,21
